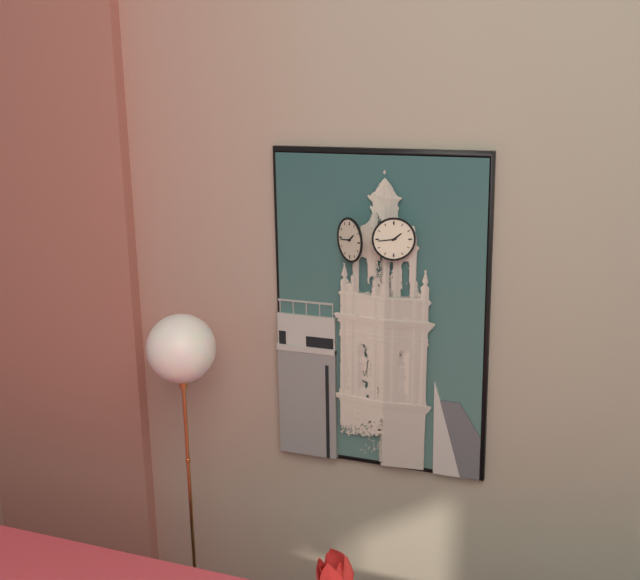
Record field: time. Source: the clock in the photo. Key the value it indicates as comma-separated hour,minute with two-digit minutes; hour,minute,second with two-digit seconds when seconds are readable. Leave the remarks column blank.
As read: 1,44
